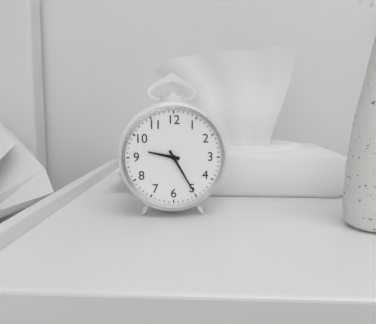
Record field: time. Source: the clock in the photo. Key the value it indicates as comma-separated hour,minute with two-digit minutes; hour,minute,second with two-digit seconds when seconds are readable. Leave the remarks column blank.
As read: 9,25
